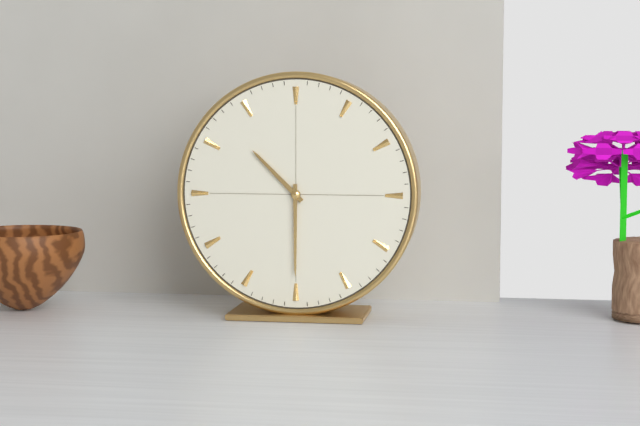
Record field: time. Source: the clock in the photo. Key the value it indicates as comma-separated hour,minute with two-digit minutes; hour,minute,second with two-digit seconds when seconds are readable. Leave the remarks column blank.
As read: 10,30
